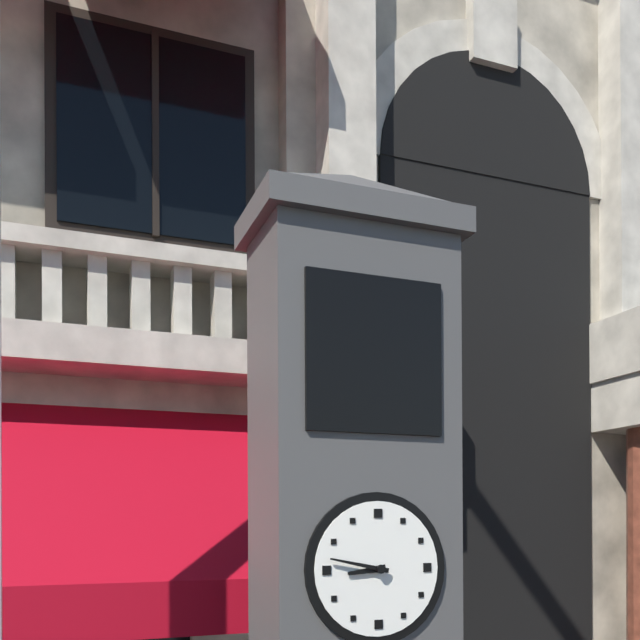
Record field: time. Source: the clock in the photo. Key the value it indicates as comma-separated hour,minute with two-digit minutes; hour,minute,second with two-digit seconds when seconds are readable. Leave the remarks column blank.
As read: 8,47
